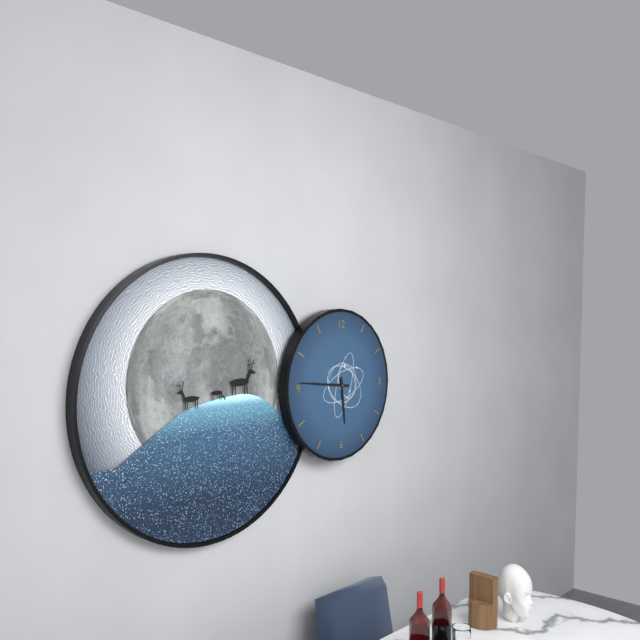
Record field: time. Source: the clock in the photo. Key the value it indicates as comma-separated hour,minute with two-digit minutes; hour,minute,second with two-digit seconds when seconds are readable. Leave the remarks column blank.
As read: 5,46
